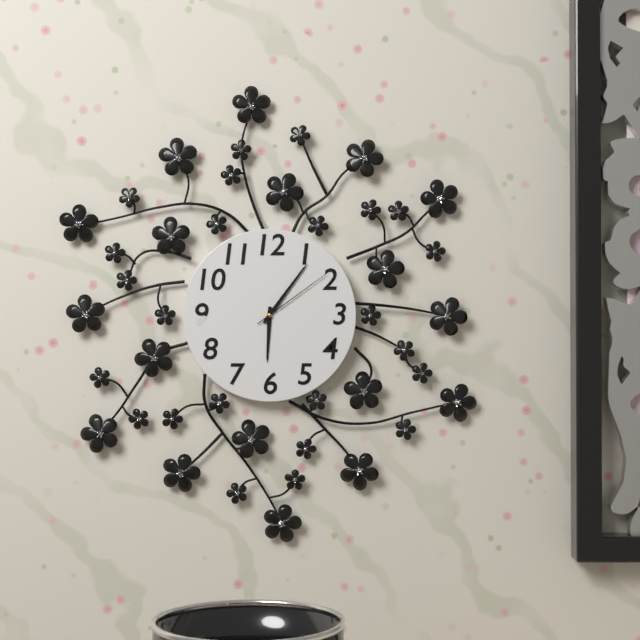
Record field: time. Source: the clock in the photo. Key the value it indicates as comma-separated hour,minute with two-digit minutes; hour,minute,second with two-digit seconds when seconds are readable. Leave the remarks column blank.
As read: 6,06,09
